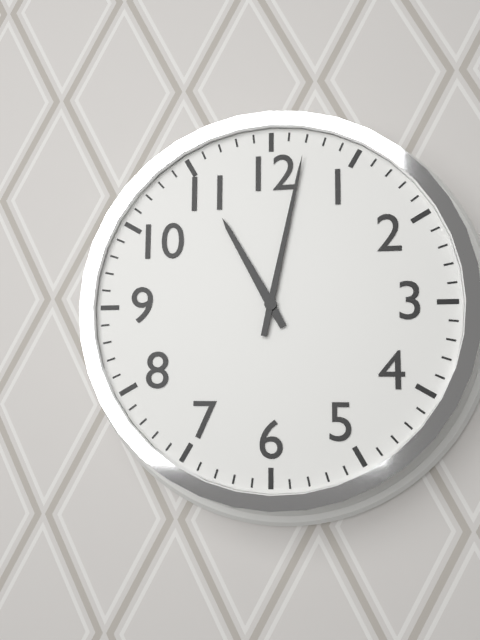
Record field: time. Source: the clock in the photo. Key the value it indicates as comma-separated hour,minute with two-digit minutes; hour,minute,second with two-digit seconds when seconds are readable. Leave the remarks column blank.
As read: 11,02
